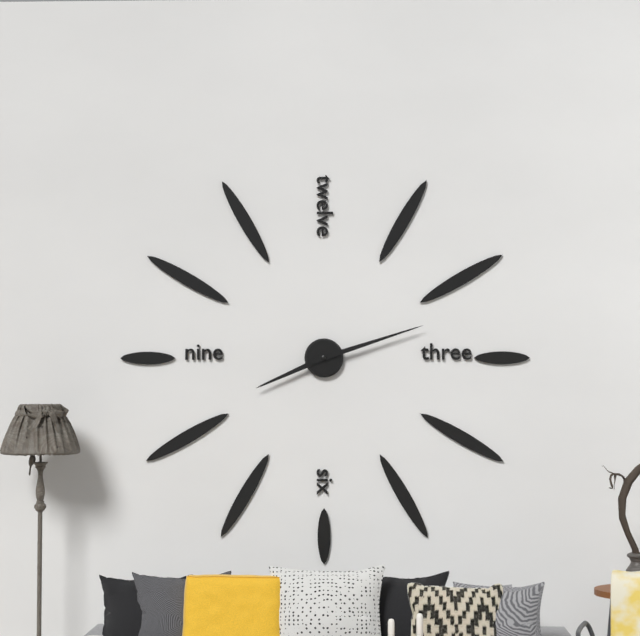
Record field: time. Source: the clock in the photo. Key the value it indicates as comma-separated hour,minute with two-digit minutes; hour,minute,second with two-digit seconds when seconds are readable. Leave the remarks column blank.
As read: 8,12
